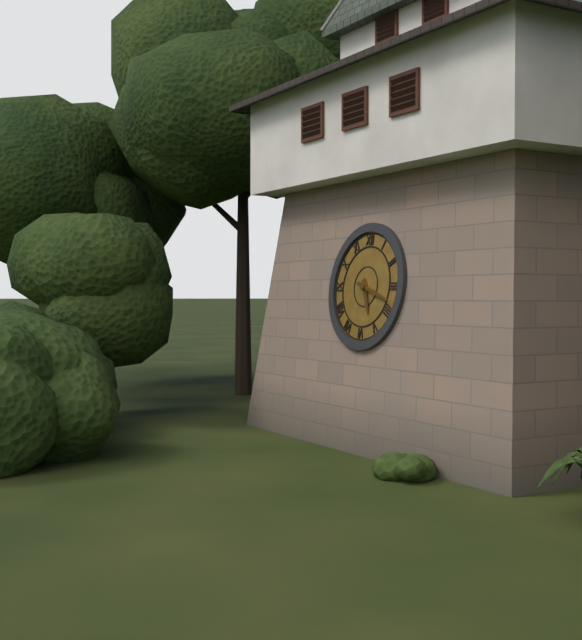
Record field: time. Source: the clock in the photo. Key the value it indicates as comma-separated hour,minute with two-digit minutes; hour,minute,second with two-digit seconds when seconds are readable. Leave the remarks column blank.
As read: 5,18
